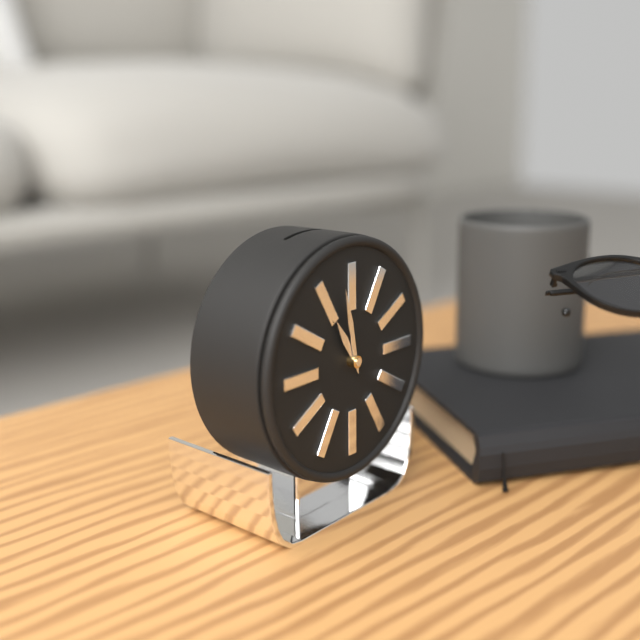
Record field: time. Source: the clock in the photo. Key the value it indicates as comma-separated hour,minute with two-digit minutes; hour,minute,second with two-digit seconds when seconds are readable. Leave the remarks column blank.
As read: 10,58
